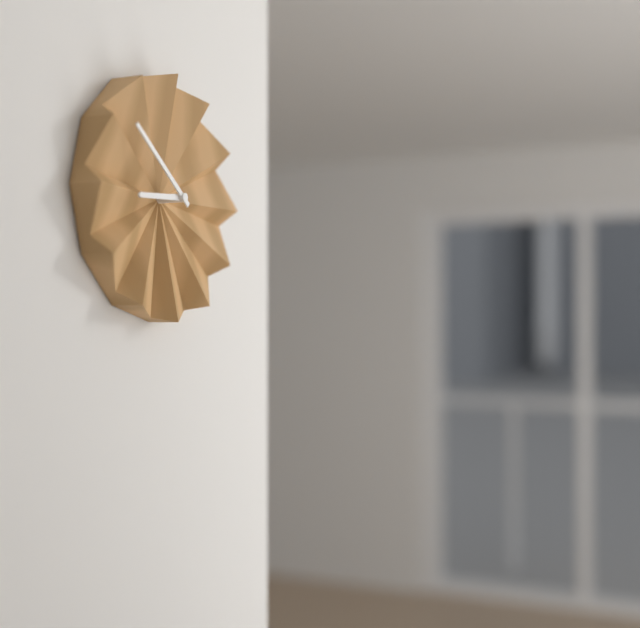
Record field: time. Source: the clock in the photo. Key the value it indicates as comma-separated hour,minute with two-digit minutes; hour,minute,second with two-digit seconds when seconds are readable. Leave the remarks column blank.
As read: 8,51
